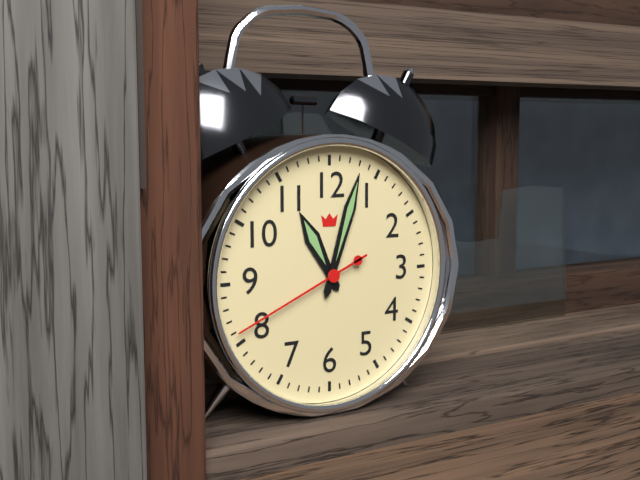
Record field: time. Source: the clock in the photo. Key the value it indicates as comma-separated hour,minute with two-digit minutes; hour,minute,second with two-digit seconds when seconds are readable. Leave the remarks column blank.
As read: 11,03,41
